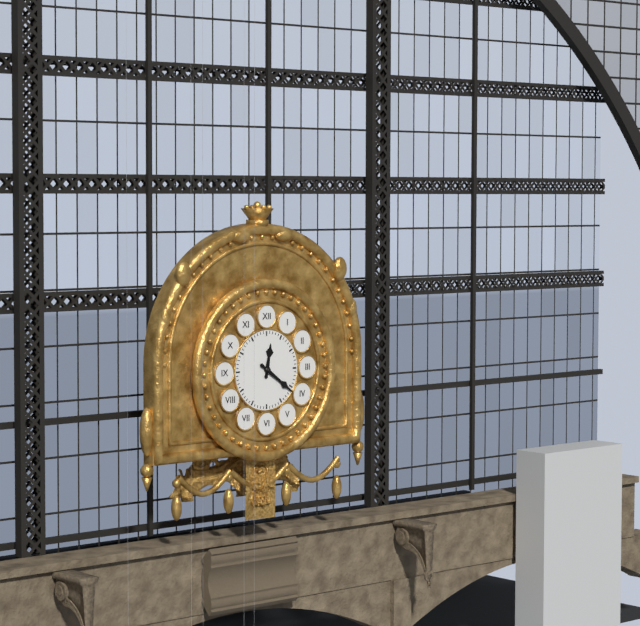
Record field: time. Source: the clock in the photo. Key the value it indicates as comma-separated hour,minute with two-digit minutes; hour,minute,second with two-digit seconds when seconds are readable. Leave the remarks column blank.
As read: 12,21
